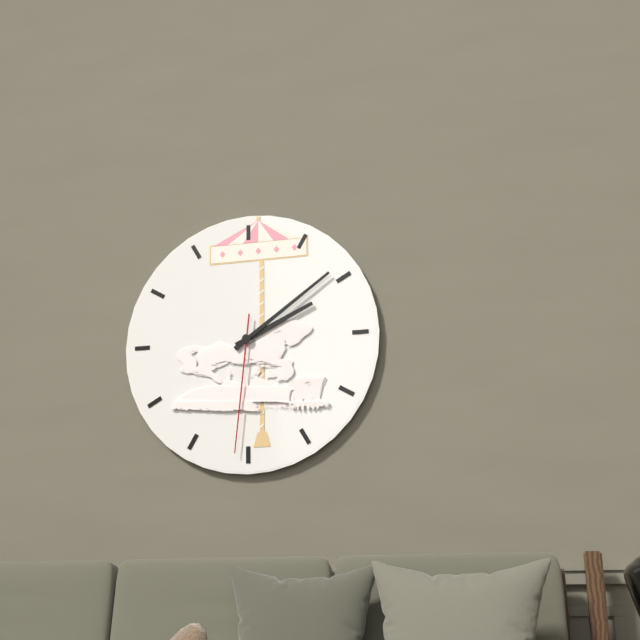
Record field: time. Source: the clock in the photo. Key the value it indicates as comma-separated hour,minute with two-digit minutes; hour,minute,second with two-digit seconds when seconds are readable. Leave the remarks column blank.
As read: 2,09,31
